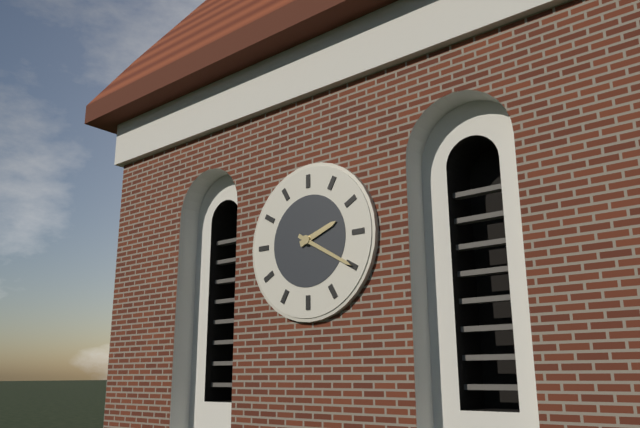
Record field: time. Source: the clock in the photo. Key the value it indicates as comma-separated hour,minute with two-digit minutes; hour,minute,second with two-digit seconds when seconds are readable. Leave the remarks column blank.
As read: 2,20
